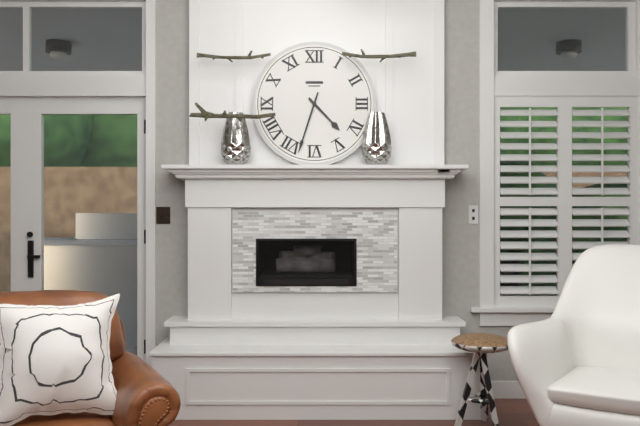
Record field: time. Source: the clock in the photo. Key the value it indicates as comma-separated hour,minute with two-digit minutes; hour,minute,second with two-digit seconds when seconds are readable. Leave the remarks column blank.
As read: 4,33
